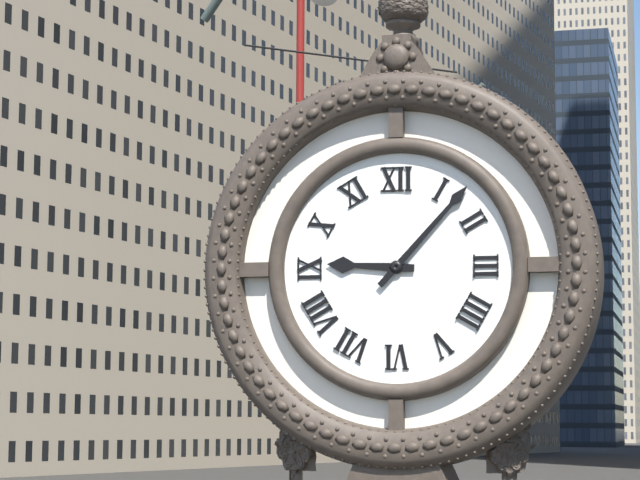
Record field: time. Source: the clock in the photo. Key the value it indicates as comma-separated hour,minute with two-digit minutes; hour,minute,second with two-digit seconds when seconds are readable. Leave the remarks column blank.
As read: 9,07
